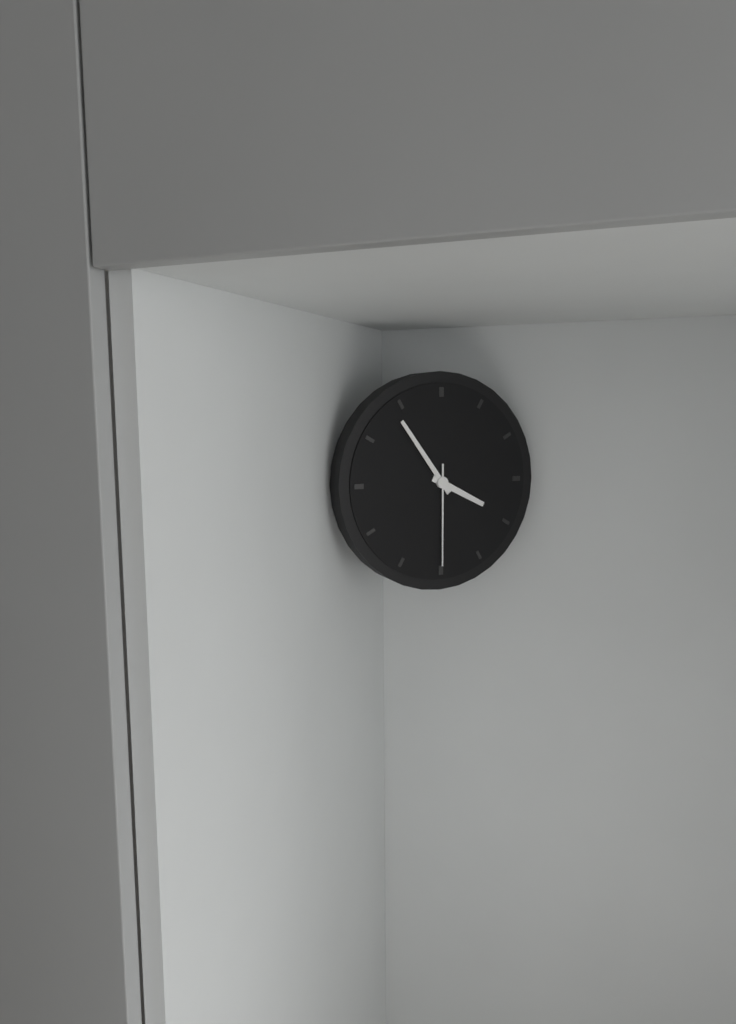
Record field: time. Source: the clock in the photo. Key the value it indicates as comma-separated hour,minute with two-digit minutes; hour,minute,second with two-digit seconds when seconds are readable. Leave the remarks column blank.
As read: 3,54,30
